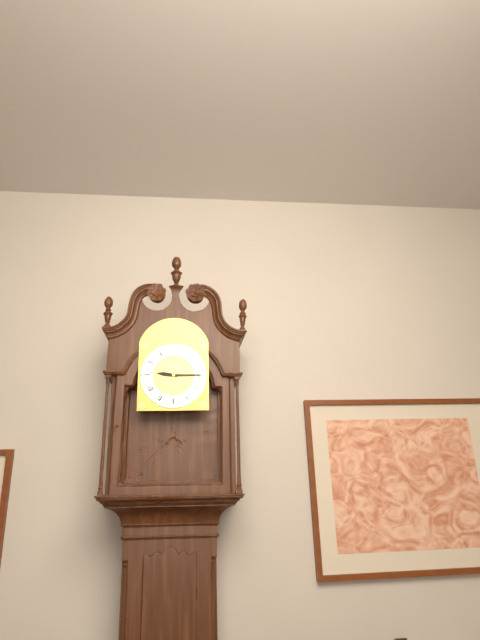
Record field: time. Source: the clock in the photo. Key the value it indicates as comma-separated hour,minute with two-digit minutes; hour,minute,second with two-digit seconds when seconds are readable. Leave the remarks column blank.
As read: 9,15
